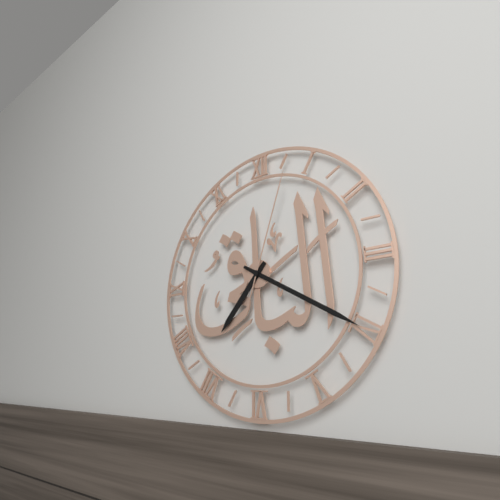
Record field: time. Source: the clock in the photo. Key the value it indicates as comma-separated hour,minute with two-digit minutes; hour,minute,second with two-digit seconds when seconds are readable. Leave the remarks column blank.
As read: 7,20,03
